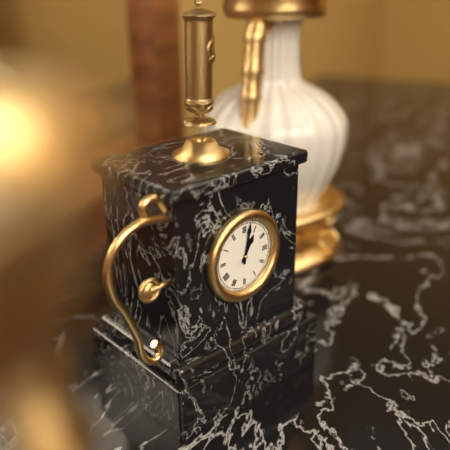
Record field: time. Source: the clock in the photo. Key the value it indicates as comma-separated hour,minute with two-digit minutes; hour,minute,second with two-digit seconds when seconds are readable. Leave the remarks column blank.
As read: 1,02
